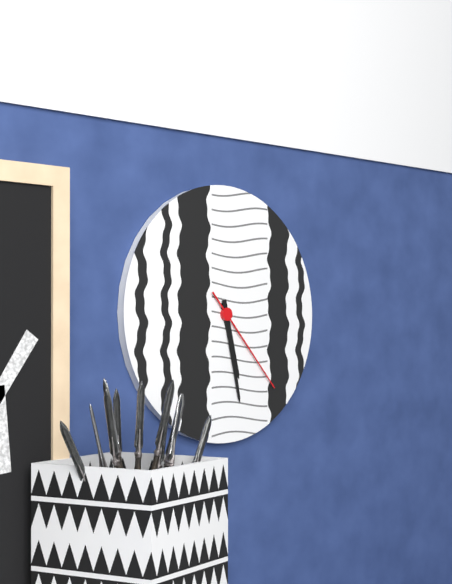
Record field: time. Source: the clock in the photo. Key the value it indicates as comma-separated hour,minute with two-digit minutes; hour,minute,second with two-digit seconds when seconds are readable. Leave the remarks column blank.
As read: 5,28,23
